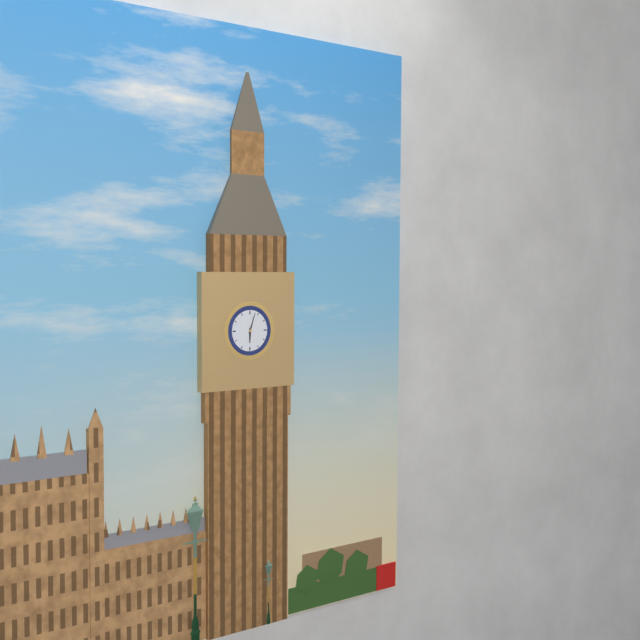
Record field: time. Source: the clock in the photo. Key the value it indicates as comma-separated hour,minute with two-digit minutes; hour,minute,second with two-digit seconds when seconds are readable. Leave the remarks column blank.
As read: 6,03
